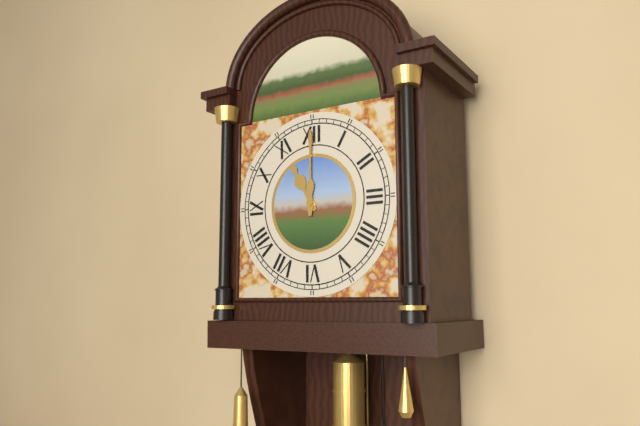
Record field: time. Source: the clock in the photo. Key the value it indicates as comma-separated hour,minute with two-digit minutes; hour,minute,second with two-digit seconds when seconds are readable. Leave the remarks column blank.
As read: 11,00
